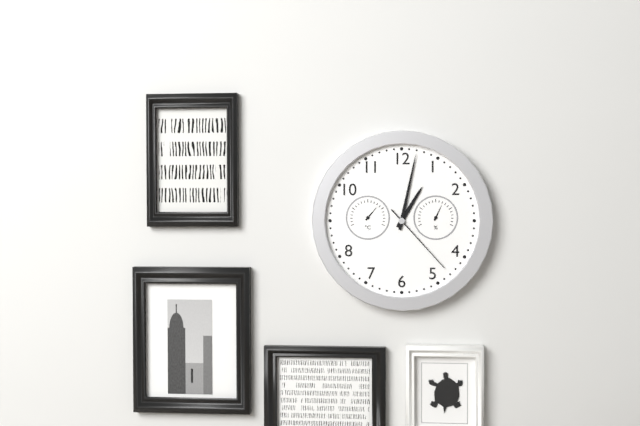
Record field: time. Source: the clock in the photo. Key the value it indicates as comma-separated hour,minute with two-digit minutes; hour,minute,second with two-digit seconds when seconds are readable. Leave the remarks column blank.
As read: 1,02,23
